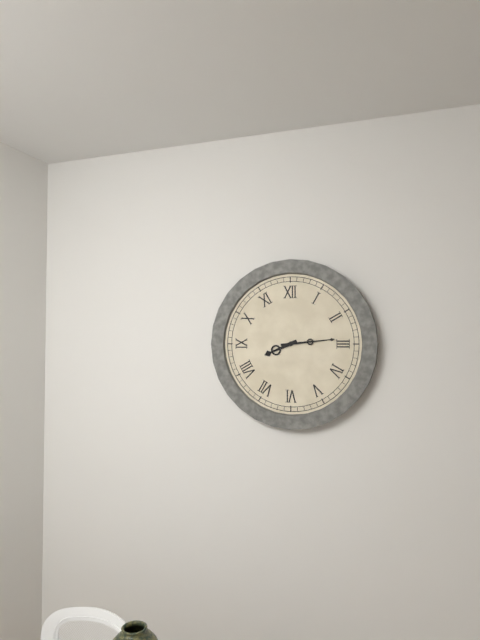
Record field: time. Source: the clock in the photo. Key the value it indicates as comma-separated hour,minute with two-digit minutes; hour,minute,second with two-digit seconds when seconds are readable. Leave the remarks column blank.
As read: 8,14
